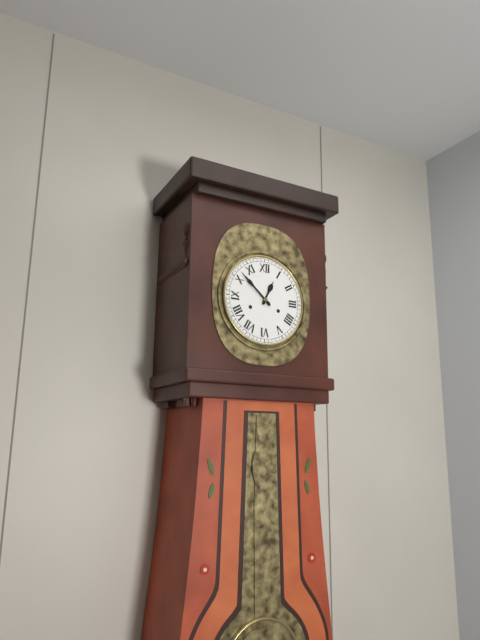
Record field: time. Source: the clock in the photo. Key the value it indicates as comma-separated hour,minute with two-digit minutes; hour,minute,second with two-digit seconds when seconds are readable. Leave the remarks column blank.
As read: 12,52
